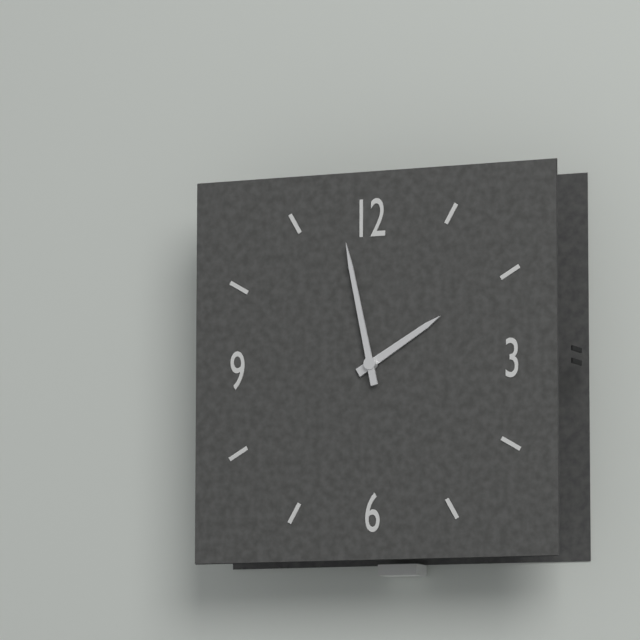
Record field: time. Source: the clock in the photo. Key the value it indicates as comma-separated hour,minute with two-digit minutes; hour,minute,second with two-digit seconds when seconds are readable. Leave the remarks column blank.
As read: 1,58
